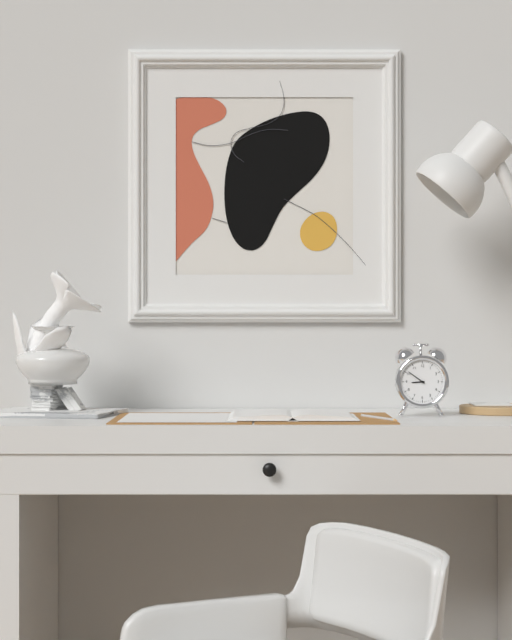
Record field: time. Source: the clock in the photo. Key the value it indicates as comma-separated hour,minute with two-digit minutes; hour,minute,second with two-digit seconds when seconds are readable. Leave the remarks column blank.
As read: 8,51
